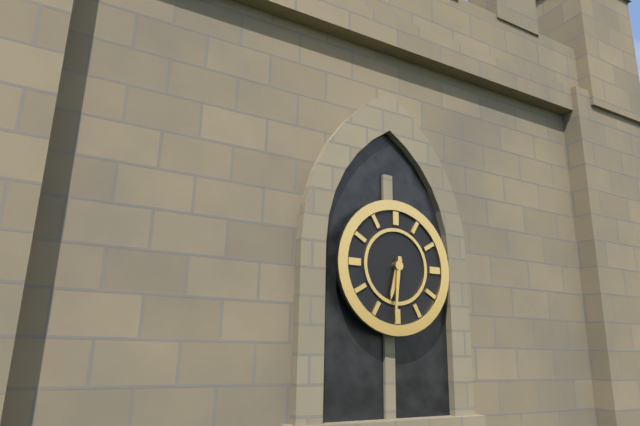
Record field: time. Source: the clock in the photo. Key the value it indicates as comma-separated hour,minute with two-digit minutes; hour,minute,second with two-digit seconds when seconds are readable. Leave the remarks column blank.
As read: 6,31
